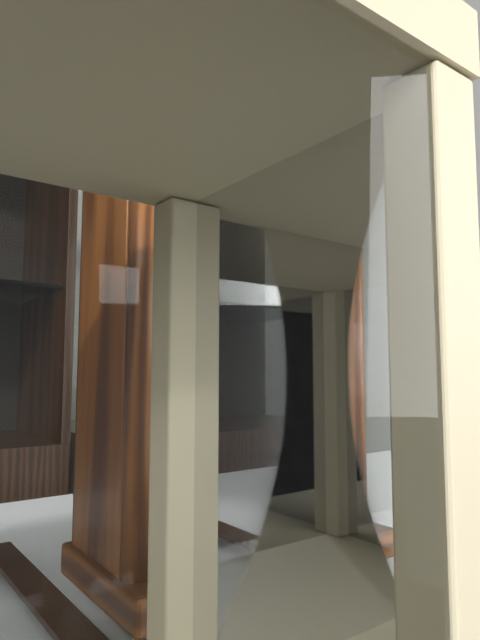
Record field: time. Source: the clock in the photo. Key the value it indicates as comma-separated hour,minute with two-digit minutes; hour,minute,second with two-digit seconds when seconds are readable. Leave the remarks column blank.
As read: 3,27
